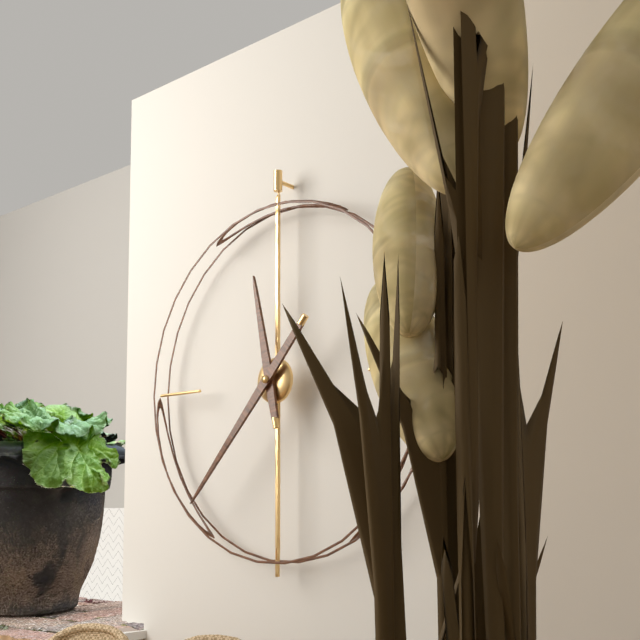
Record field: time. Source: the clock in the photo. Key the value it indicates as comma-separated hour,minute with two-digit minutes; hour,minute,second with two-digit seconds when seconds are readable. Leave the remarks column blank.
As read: 11,37
